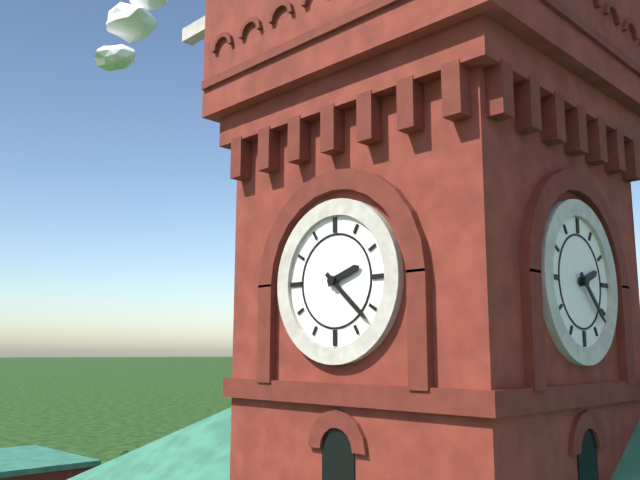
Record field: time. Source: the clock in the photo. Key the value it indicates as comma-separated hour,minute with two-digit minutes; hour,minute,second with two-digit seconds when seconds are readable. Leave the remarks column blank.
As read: 2,22
